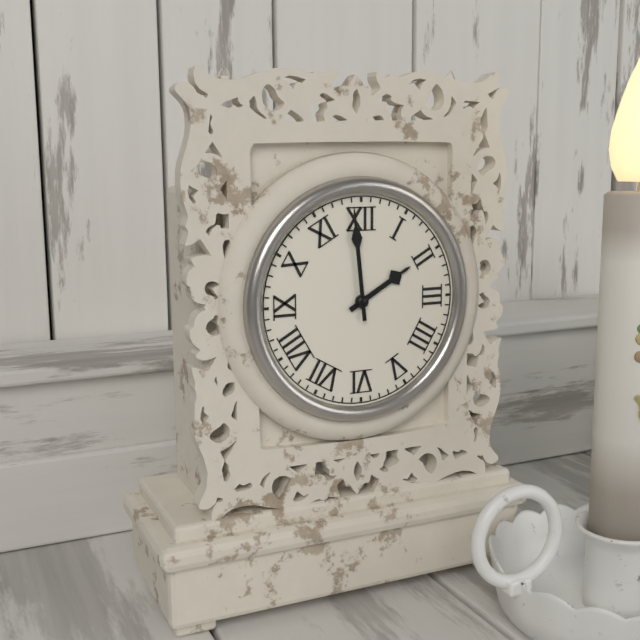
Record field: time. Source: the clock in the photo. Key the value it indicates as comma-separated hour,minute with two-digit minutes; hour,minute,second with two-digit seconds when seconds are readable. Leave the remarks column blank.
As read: 1,59
